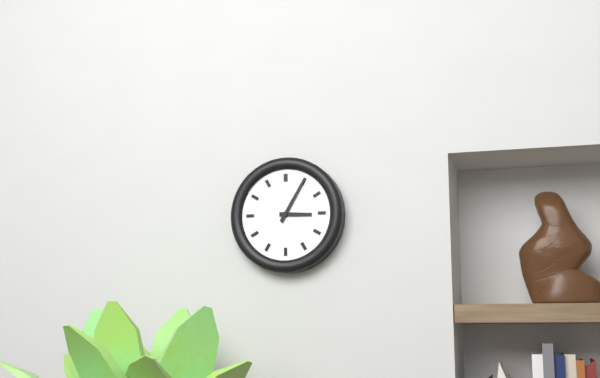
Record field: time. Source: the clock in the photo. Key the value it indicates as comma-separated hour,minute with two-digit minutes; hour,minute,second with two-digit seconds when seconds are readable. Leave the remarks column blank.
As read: 3,05
